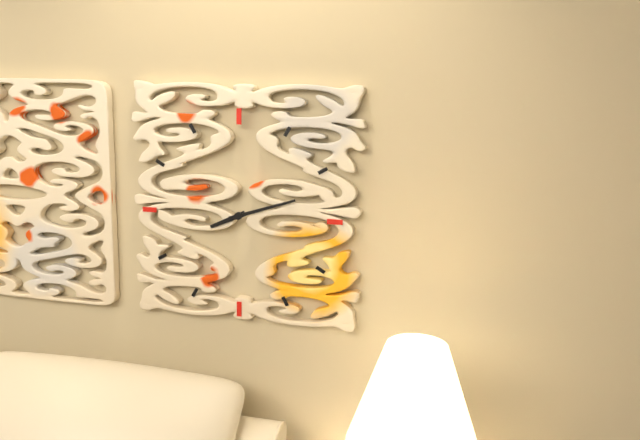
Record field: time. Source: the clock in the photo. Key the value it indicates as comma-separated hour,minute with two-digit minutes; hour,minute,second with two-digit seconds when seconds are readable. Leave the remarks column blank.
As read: 8,12
